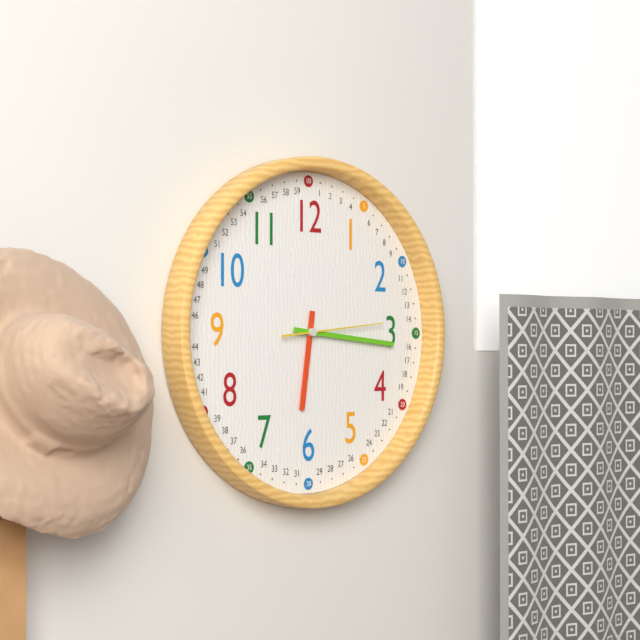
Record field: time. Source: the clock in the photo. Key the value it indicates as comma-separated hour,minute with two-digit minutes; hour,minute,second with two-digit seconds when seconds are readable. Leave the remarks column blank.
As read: 6,16,14
